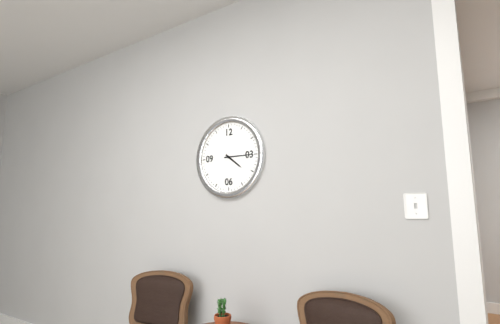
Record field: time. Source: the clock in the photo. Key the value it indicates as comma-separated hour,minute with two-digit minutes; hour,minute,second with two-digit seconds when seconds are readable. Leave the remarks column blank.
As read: 4,15
